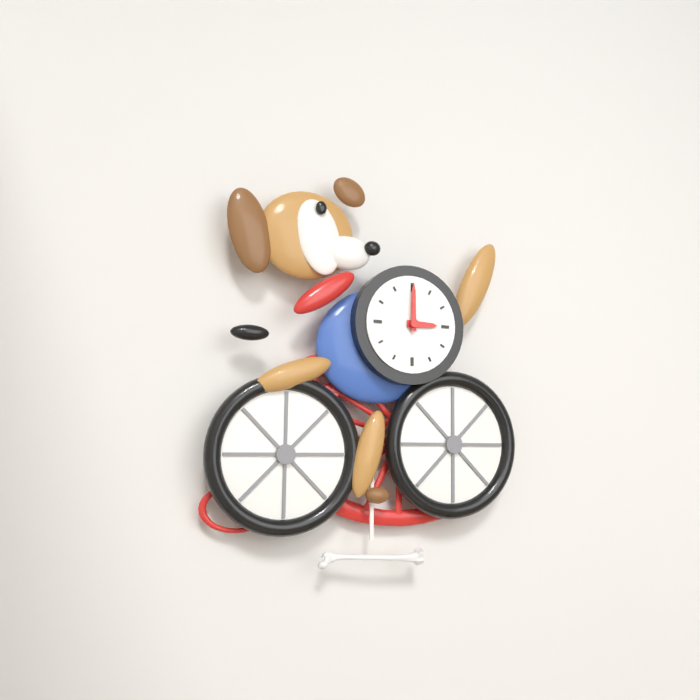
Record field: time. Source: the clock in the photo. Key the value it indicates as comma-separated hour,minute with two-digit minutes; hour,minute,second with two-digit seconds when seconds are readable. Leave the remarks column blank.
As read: 3,00
